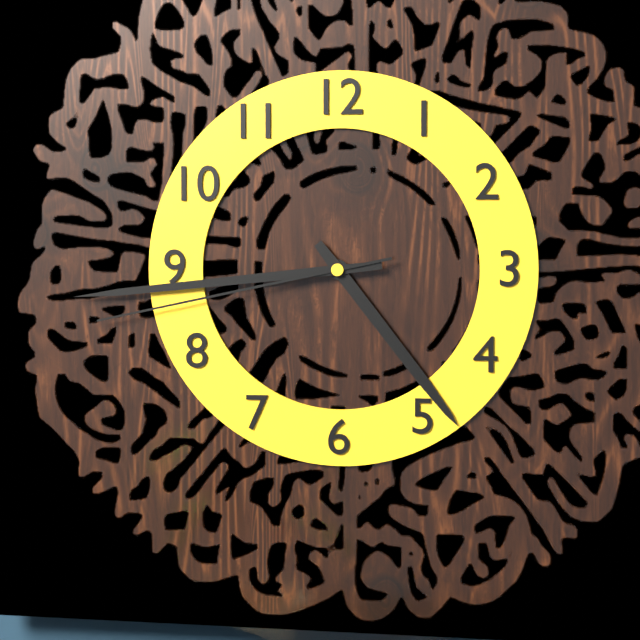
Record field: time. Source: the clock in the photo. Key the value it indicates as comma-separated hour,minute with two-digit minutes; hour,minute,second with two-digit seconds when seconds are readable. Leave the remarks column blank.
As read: 4,44,43
